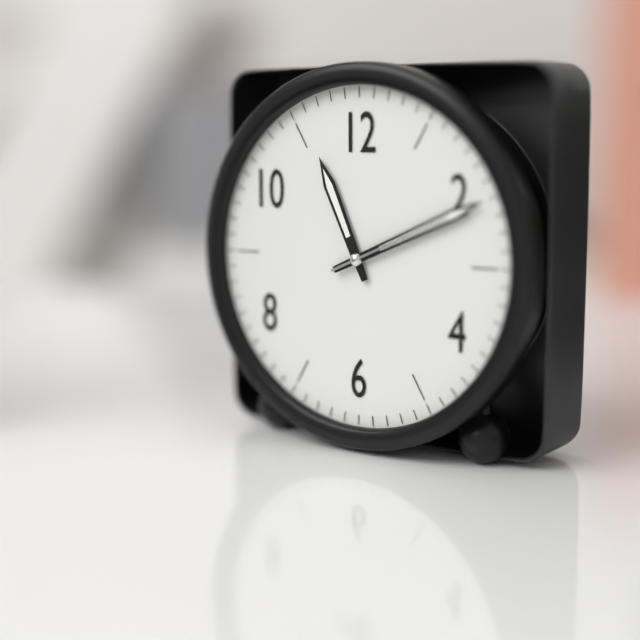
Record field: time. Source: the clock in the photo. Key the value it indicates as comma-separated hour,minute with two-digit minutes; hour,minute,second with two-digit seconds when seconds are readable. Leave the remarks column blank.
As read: 11,11,11
